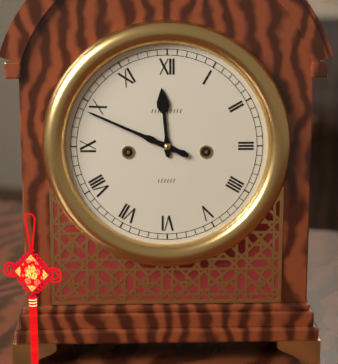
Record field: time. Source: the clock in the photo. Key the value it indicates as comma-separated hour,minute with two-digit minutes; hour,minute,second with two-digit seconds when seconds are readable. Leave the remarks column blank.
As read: 11,49
